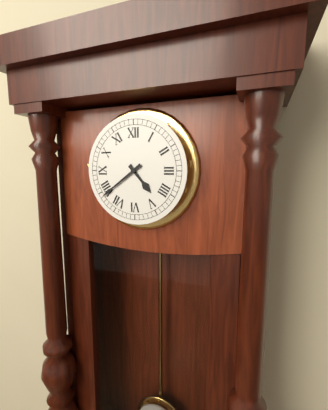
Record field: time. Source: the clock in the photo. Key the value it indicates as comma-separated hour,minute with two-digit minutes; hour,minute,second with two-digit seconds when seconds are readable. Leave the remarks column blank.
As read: 4,39
